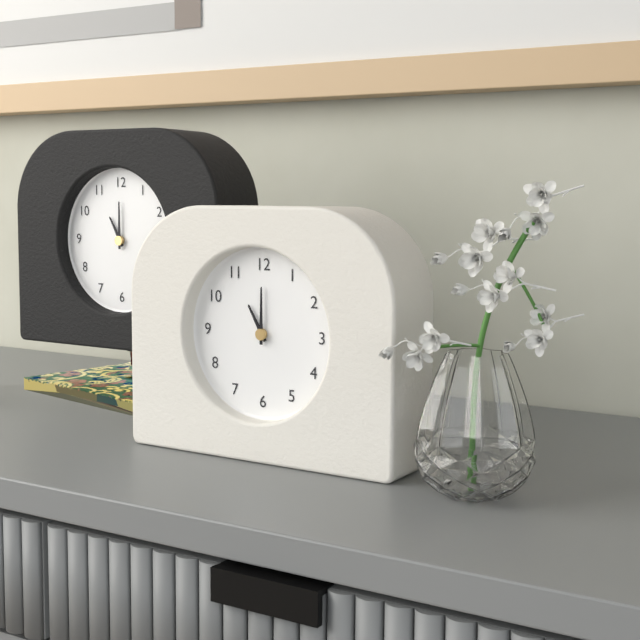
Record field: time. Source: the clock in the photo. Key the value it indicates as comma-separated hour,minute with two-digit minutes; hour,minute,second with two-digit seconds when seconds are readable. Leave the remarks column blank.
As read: 11,00
